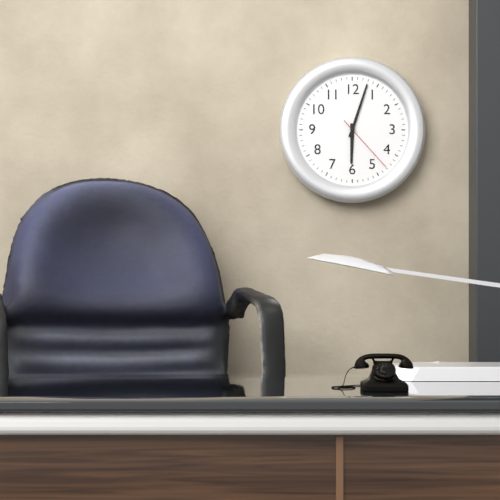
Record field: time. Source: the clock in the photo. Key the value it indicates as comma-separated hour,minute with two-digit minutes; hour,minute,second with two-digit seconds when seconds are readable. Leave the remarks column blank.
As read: 6,03,23
